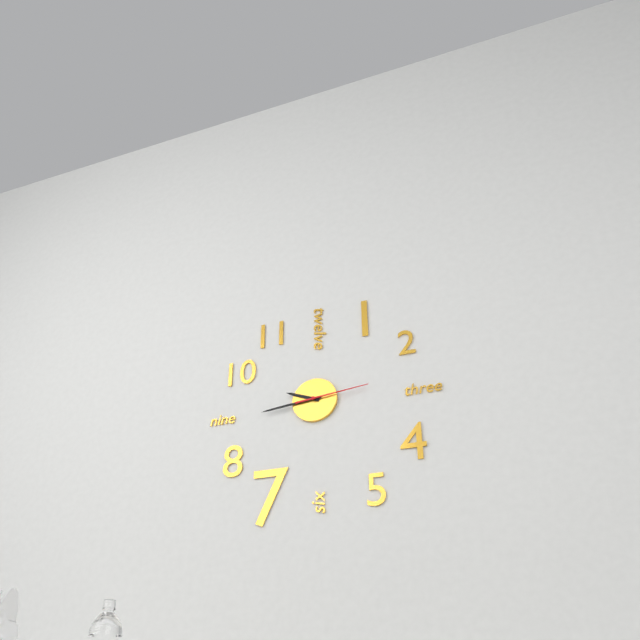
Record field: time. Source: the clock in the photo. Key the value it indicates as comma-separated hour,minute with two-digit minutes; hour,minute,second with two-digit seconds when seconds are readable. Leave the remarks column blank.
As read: 9,44,14
